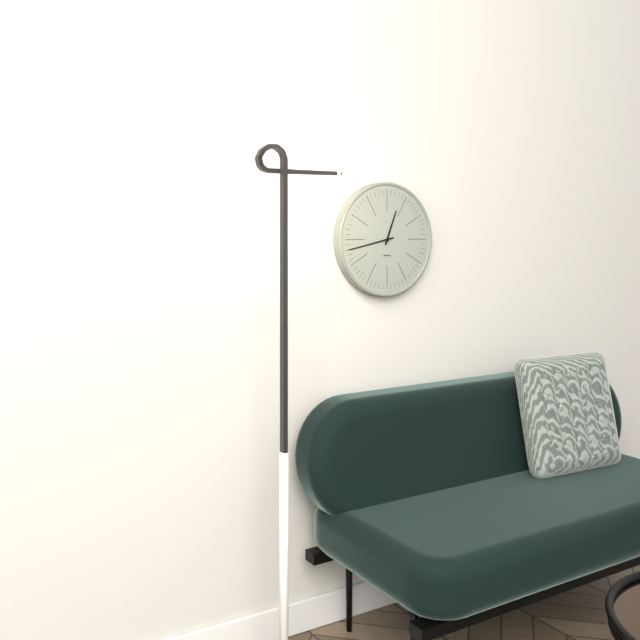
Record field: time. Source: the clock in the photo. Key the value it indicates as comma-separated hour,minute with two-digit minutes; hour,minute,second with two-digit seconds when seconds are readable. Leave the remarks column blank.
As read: 12,43
